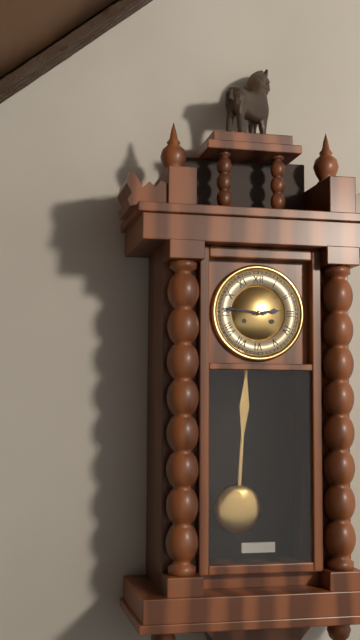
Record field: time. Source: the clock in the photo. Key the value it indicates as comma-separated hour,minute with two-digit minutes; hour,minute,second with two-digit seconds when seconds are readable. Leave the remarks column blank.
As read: 2,46
